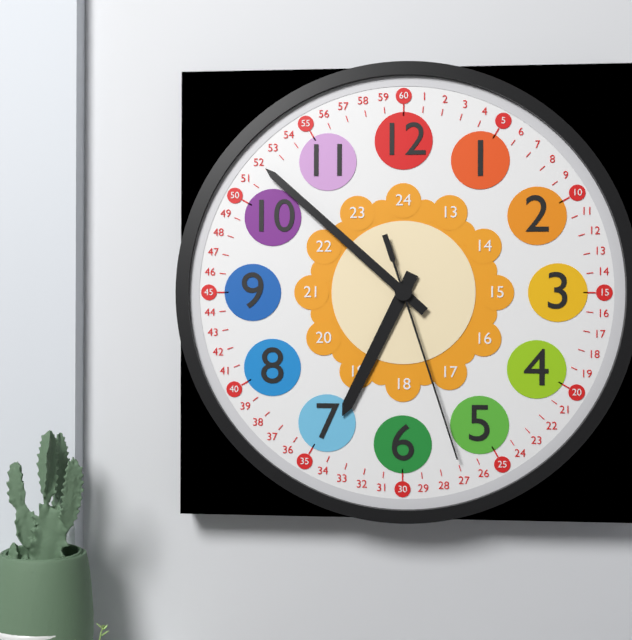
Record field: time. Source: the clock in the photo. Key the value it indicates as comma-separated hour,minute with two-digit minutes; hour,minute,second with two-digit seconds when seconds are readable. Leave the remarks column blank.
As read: 6,52,27
